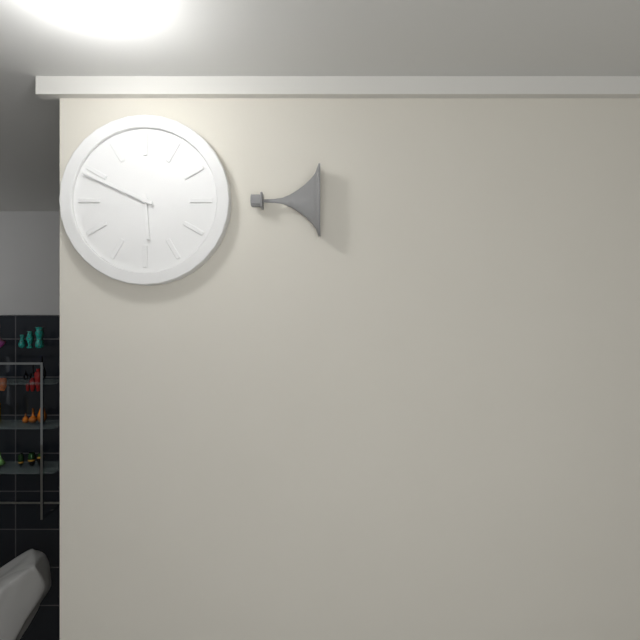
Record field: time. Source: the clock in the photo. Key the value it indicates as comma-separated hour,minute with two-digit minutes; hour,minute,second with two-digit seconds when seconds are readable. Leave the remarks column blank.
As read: 5,49
